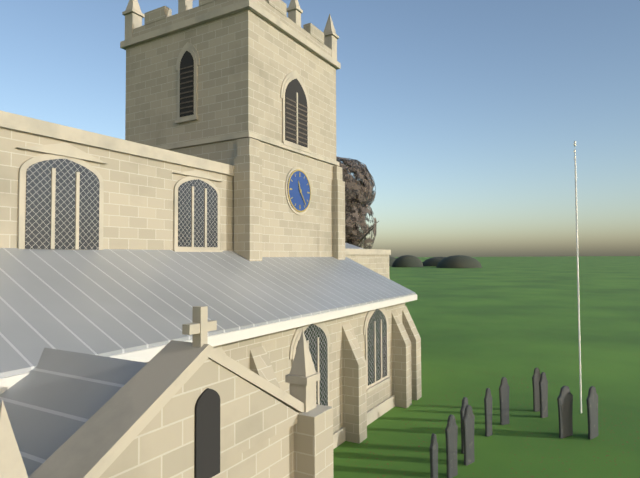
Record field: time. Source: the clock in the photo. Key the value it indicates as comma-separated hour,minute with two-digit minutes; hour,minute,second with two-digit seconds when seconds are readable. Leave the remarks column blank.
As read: 11,24
